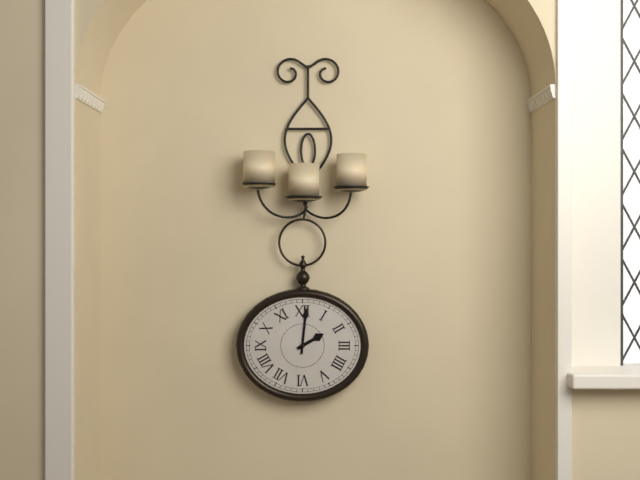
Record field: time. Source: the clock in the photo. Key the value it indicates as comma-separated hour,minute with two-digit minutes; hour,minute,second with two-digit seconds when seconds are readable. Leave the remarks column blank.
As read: 2,01
